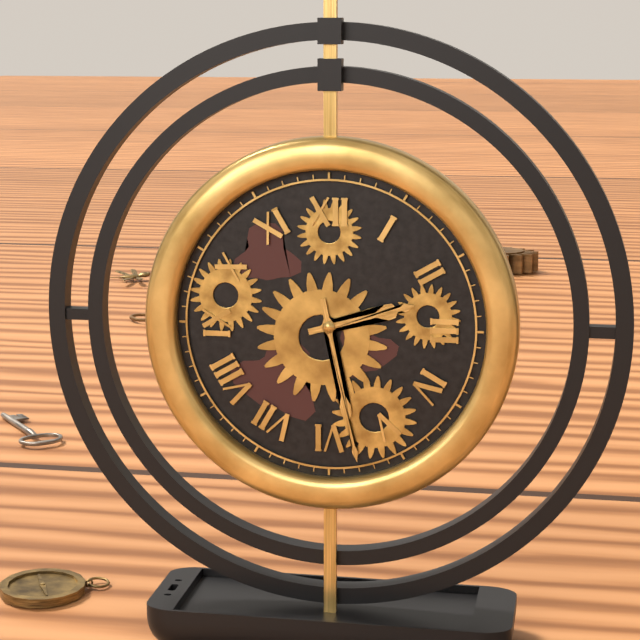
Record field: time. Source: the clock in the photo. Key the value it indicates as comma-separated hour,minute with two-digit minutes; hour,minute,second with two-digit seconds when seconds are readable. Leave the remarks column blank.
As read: 2,28
